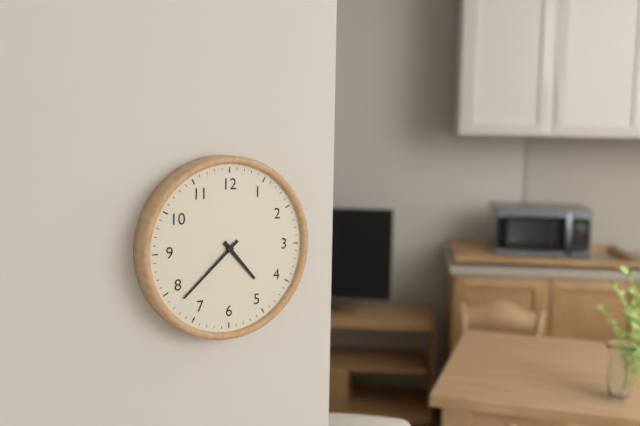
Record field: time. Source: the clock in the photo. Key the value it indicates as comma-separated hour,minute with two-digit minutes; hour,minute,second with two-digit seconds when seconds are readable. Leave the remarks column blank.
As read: 4,38
